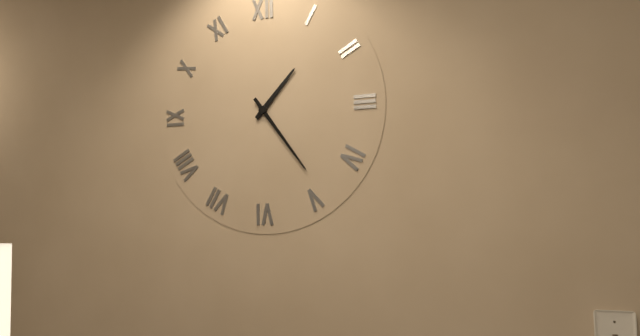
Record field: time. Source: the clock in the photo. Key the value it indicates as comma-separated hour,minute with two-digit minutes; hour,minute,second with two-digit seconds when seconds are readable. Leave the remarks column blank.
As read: 1,24
